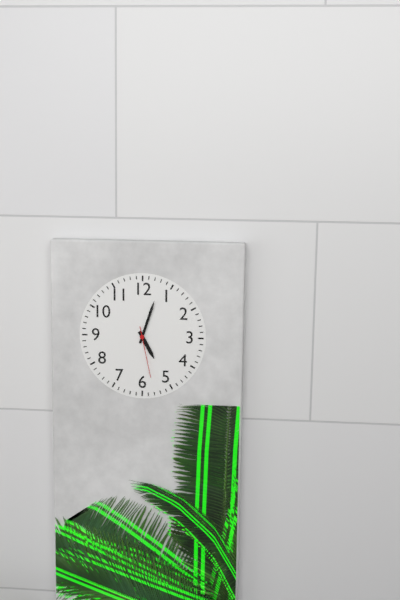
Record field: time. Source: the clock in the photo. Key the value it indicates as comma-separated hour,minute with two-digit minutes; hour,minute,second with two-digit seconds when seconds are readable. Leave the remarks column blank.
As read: 5,03,28
